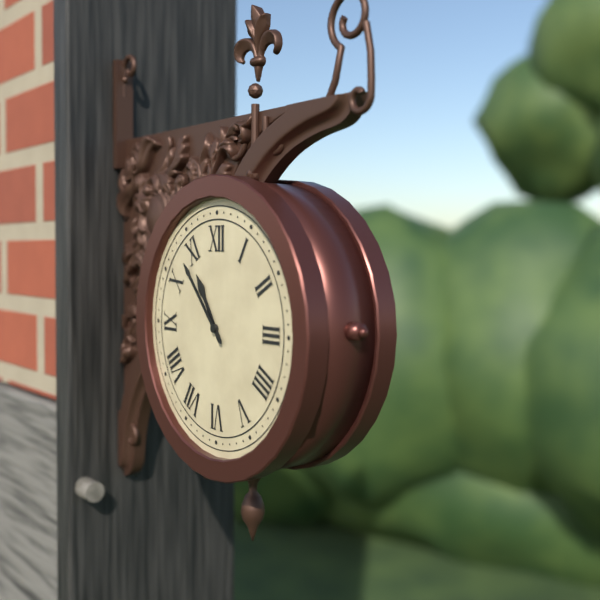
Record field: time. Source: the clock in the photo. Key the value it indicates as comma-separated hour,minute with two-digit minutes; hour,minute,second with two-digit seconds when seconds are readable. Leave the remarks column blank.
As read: 10,53
